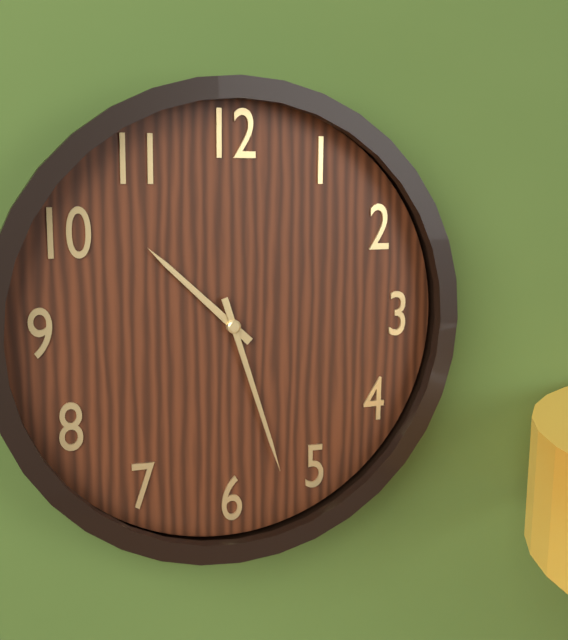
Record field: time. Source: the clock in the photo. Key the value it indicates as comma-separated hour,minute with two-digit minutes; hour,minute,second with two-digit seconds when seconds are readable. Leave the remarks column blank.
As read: 10,27
